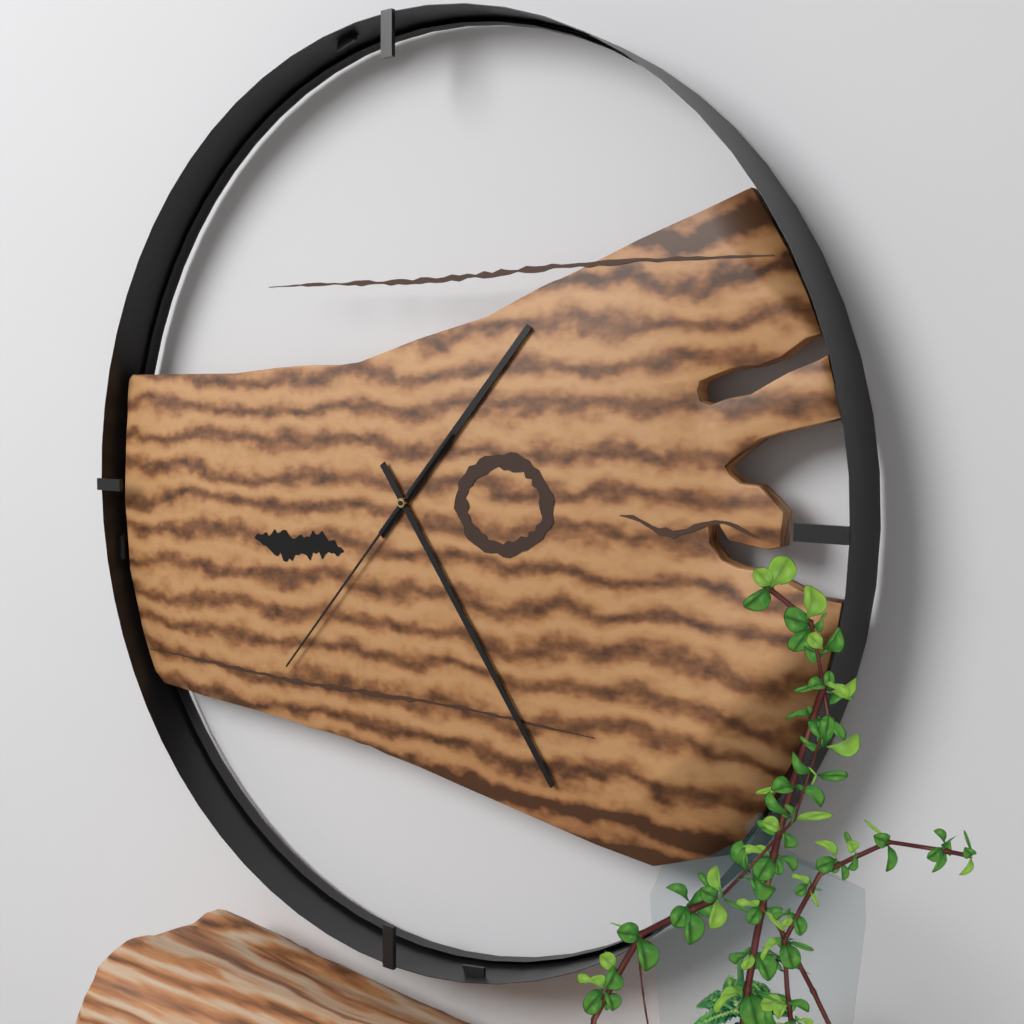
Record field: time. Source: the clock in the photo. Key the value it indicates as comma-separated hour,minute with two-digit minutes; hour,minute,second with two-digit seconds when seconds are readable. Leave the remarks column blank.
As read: 1,24,37
